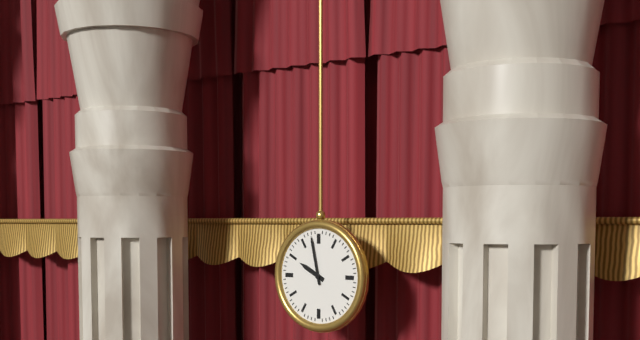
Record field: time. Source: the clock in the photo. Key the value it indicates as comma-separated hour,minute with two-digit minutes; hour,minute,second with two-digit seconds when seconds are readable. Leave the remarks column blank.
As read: 9,58
